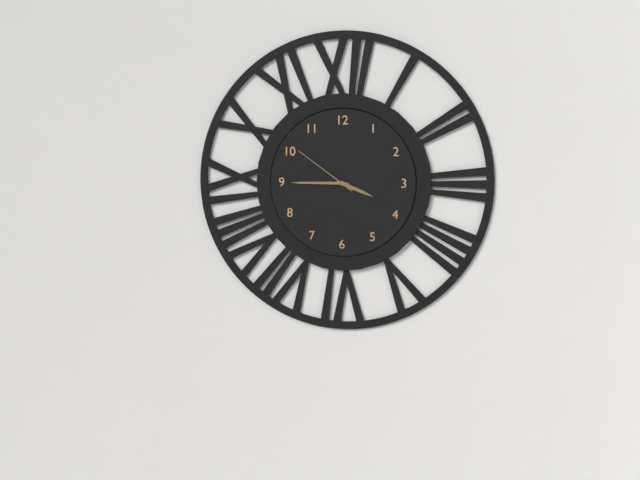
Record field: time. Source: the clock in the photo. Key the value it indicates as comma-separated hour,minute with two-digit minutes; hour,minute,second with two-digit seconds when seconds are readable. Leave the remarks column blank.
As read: 3,45,51
